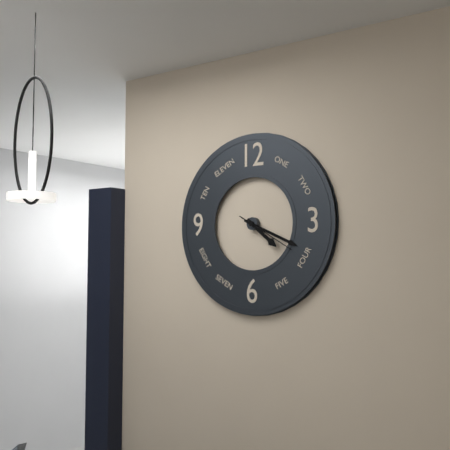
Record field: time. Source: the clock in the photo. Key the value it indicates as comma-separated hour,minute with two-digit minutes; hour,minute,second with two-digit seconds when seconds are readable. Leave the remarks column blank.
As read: 4,19,20
